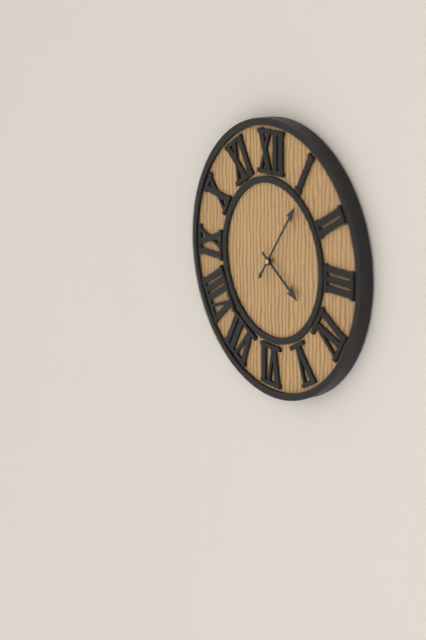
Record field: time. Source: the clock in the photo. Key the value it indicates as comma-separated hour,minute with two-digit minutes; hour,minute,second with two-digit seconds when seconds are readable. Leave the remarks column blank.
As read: 4,06
